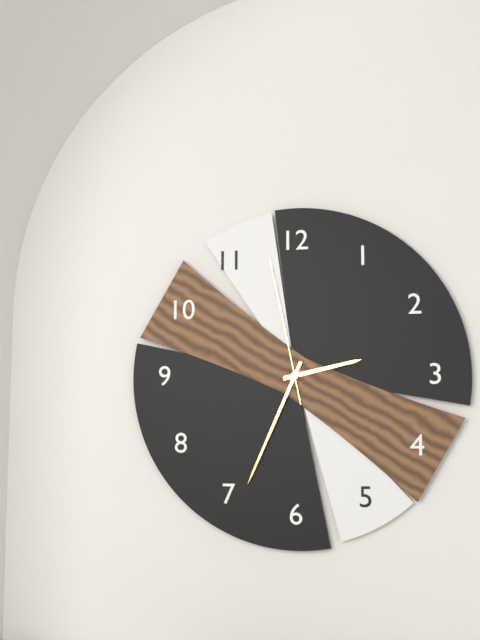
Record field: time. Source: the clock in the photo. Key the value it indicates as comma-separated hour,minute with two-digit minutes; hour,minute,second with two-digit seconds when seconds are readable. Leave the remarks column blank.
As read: 2,34,58
